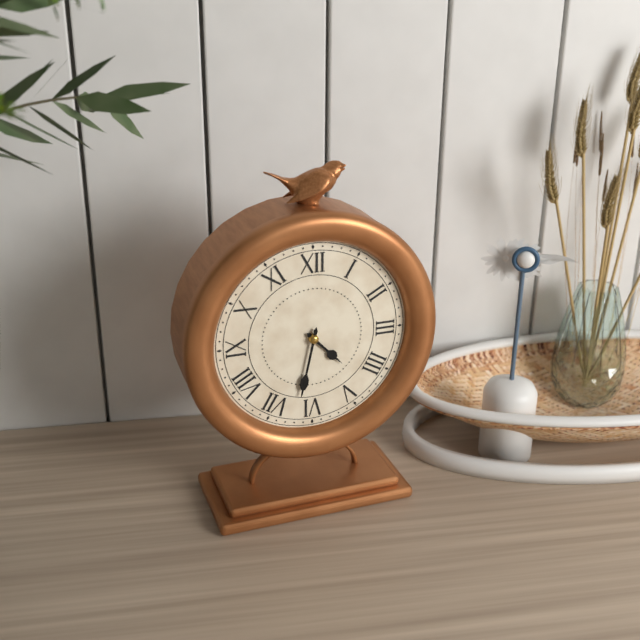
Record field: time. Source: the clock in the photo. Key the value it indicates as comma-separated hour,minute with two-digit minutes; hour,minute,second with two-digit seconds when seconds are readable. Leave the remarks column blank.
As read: 4,32
